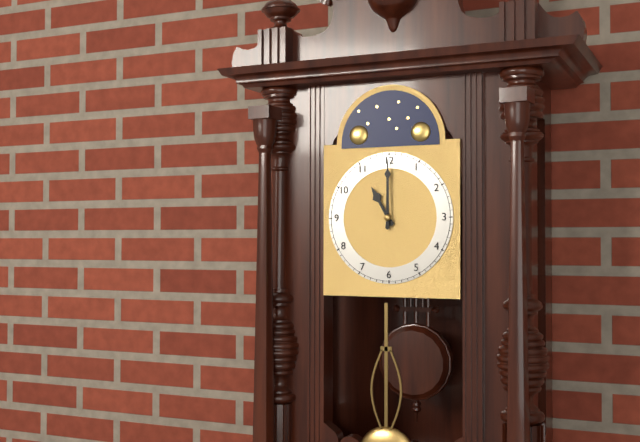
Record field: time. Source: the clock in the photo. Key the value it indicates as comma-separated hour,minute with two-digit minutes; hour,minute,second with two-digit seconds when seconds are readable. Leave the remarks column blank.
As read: 11,00
